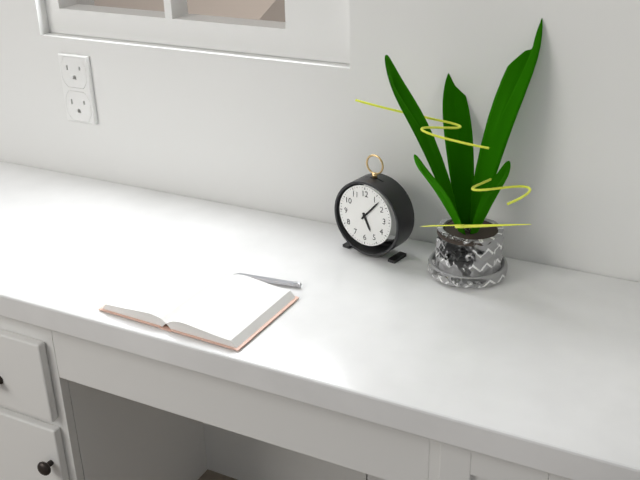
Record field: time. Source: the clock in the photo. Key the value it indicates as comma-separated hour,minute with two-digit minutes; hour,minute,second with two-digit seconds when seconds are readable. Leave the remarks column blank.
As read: 5,07
